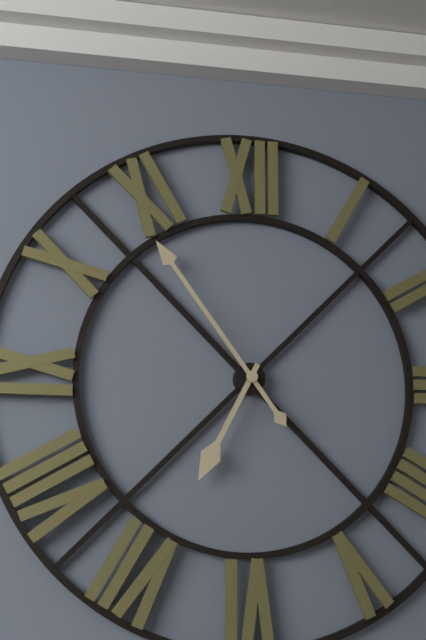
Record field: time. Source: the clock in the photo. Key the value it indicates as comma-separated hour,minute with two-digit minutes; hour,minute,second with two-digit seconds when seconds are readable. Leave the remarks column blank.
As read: 6,54
